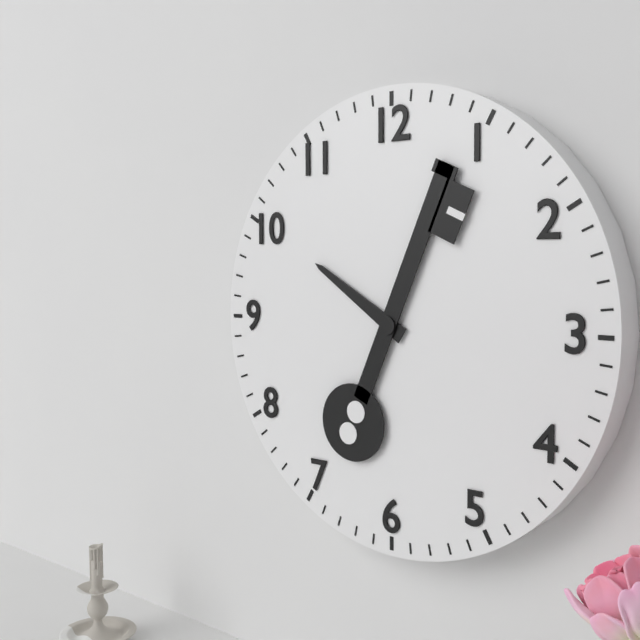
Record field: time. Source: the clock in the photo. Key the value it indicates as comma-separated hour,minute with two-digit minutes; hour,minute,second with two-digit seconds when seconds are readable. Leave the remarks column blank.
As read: 10,04
